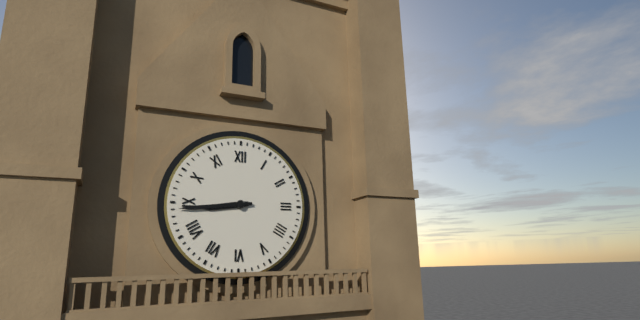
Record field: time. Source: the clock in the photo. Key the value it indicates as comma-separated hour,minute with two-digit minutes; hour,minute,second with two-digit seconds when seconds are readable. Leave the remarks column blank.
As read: 8,44
